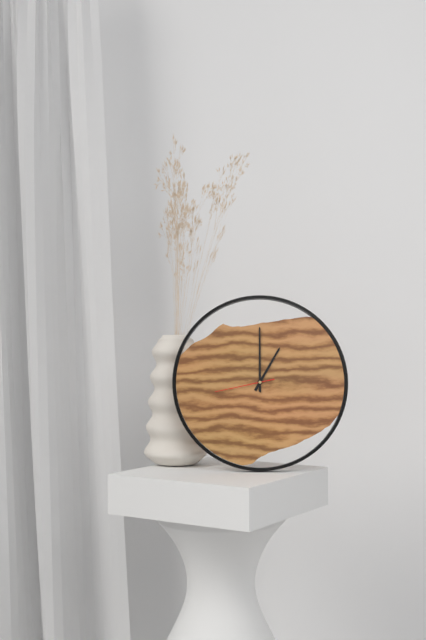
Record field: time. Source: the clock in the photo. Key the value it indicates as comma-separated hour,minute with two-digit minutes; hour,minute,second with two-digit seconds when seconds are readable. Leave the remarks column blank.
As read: 1,00,43
